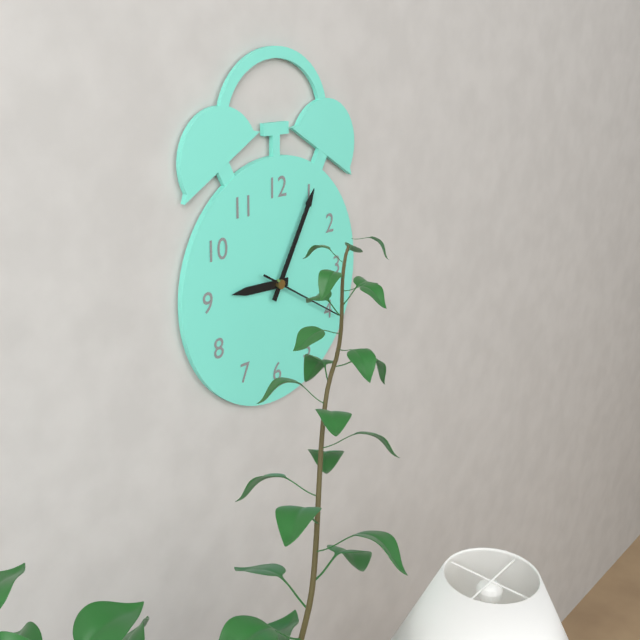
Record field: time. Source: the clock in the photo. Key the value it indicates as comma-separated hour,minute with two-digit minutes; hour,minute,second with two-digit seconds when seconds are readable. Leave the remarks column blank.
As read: 9,05,20
